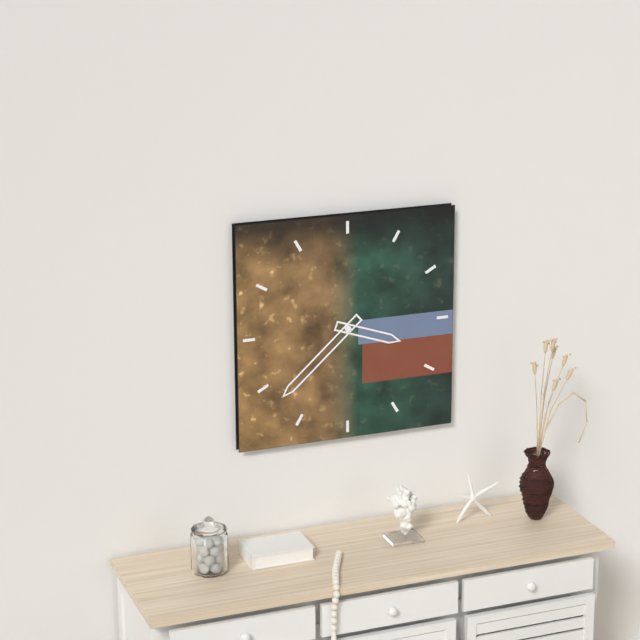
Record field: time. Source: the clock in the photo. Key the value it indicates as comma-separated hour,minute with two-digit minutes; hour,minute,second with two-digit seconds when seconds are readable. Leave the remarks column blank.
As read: 3,38
